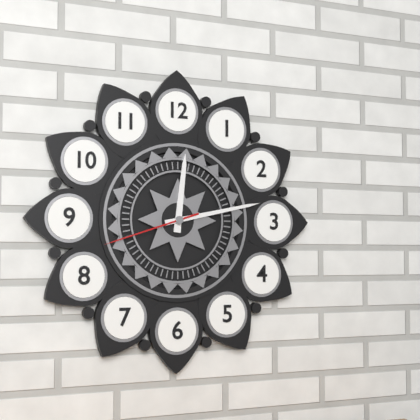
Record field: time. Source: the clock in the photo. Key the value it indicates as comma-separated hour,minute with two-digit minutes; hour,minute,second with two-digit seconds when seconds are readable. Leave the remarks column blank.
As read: 12,13,42
